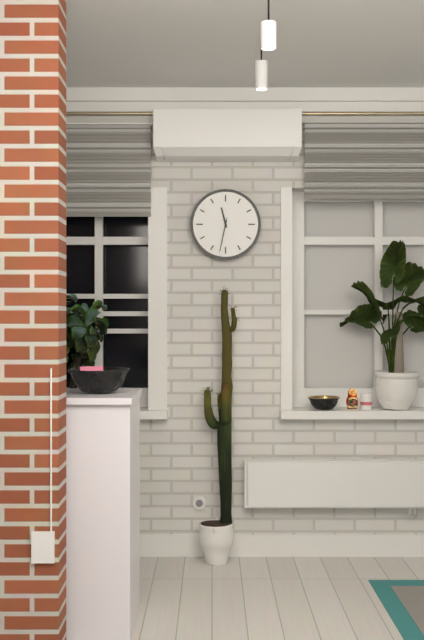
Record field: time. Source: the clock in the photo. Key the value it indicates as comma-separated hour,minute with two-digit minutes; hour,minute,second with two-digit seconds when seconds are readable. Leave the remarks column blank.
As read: 11,32
